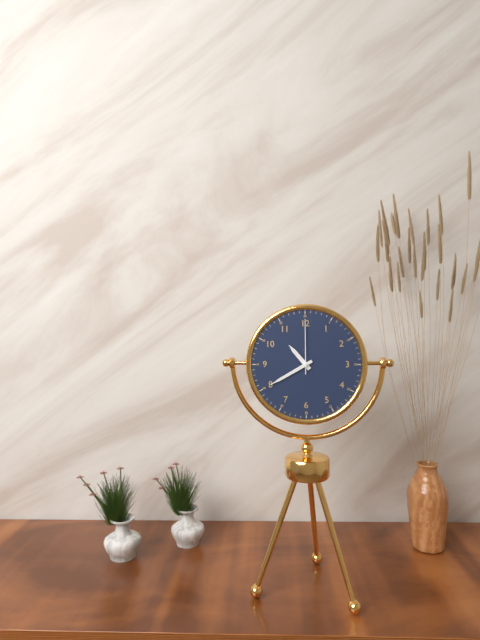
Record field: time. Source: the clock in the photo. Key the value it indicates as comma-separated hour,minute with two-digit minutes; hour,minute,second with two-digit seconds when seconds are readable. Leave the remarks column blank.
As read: 10,40,00
